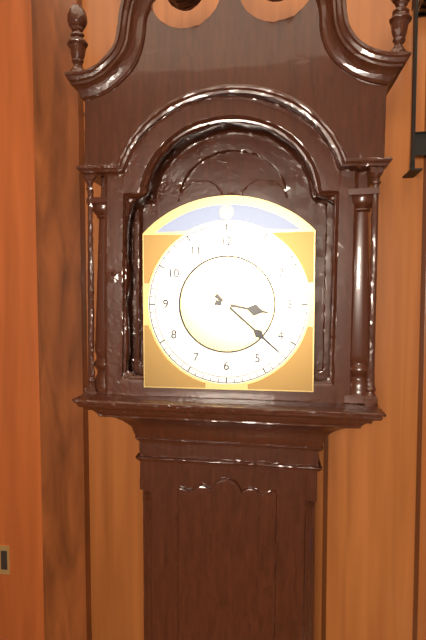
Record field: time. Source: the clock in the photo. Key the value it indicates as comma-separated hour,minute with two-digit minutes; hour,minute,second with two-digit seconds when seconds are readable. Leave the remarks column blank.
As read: 3,22
